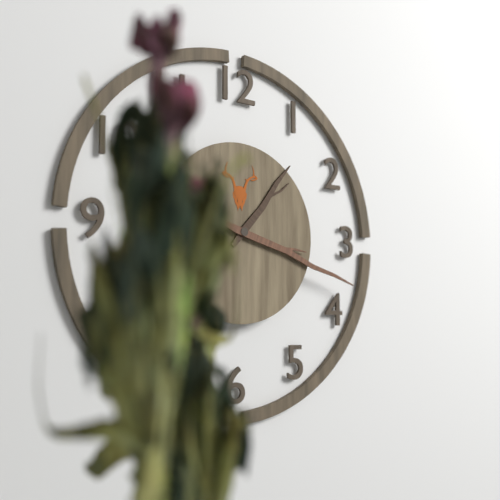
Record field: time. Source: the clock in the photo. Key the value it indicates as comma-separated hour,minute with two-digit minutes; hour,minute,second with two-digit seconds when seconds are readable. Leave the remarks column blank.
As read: 1,18
